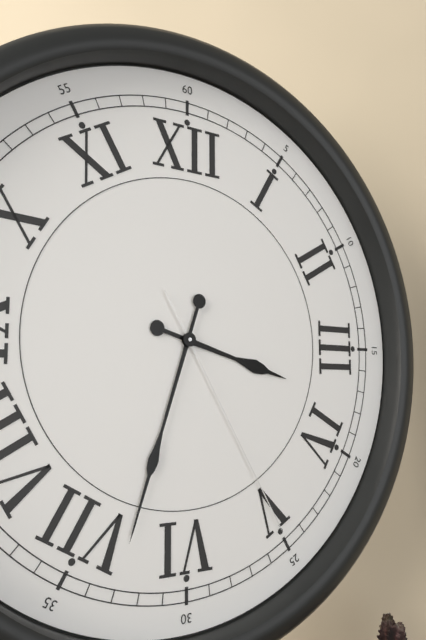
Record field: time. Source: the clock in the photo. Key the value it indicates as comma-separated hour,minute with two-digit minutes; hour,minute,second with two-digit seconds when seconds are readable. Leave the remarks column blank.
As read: 3,33,25
